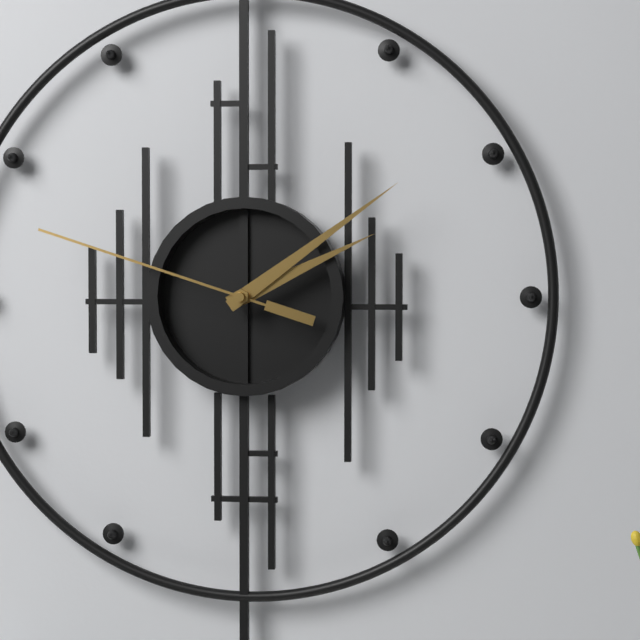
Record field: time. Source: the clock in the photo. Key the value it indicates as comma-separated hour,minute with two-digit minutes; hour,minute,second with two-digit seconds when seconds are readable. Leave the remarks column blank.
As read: 2,09,48
